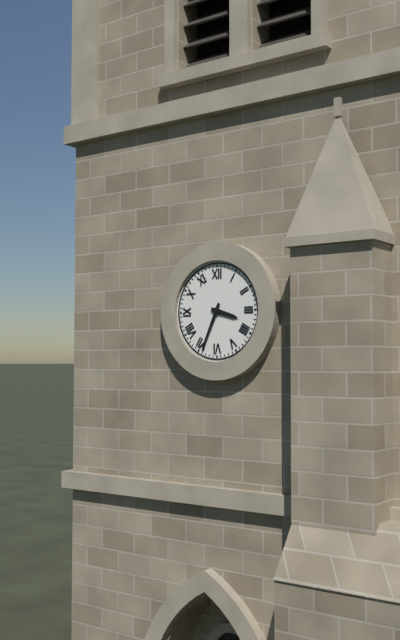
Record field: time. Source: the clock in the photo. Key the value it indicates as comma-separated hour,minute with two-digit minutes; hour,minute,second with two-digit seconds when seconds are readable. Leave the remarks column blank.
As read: 3,34
